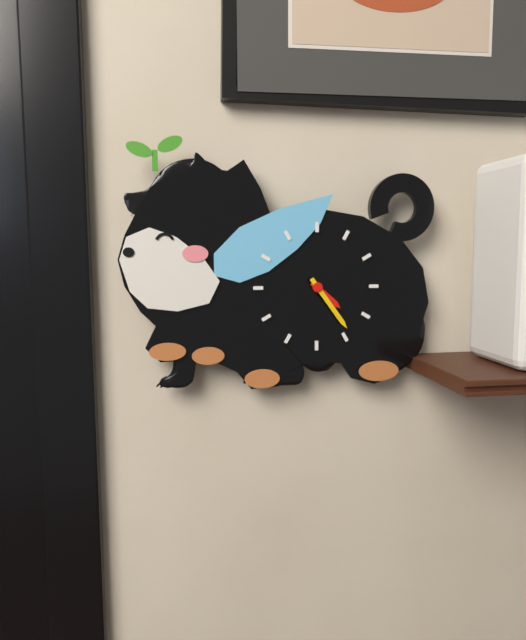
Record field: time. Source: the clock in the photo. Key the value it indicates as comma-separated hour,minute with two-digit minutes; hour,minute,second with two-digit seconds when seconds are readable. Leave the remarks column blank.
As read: 4,24
